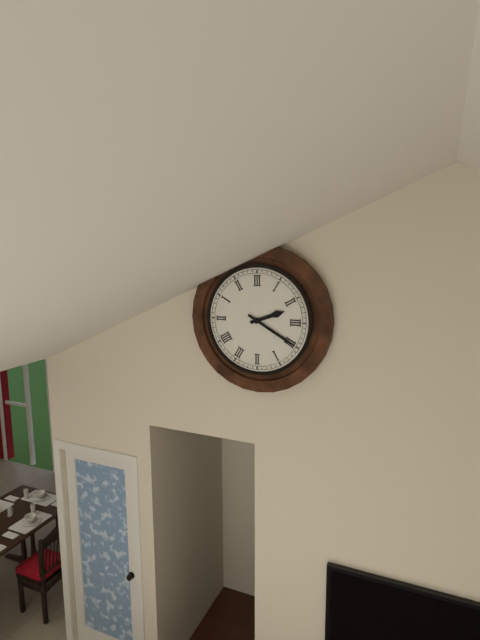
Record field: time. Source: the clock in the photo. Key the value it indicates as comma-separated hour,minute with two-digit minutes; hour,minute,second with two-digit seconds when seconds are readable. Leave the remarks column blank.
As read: 2,20
